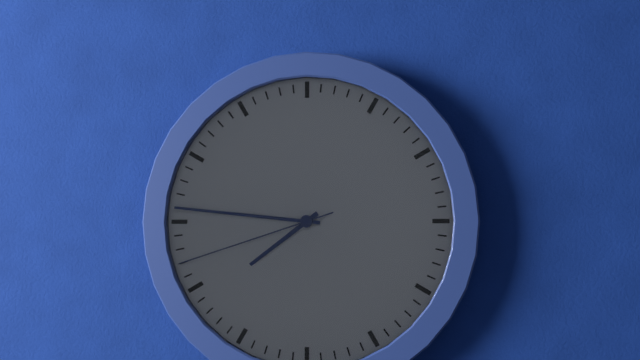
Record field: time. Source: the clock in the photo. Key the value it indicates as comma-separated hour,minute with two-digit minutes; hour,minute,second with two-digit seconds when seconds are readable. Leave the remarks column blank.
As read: 7,46,42
